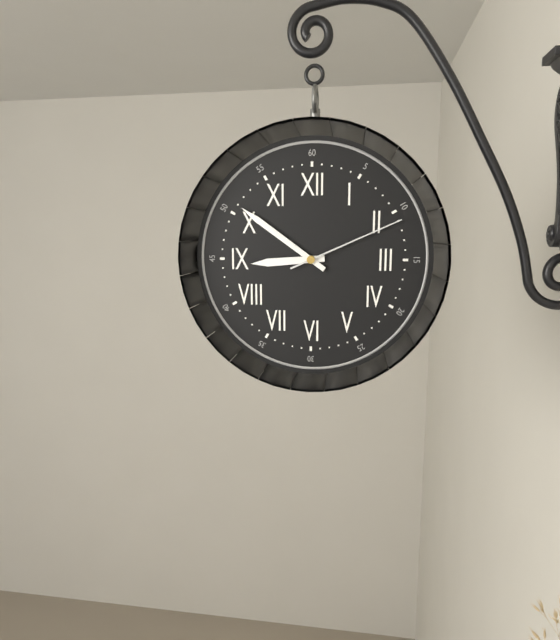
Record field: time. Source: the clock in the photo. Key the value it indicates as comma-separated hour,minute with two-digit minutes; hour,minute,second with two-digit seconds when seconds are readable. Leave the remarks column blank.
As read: 8,51,11
